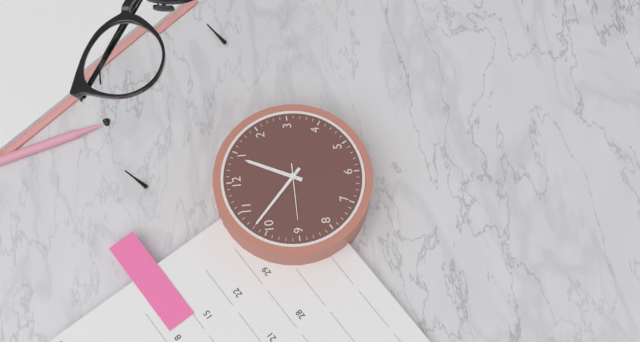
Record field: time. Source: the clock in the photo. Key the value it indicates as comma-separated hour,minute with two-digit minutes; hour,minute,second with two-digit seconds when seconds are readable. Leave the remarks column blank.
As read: 12,52
